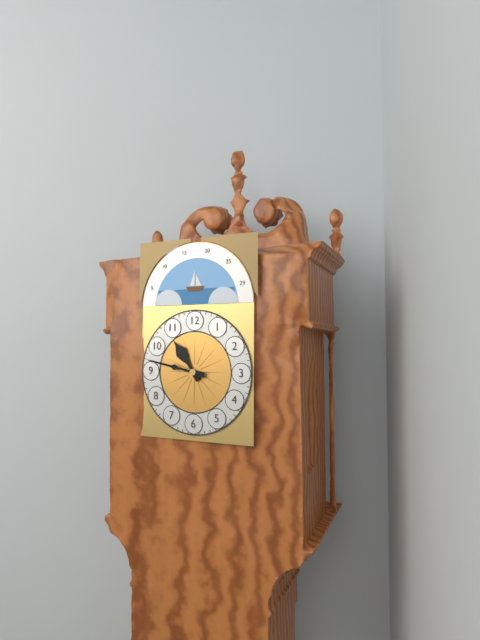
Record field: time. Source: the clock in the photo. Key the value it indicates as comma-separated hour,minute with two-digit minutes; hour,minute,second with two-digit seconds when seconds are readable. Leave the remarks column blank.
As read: 10,47
